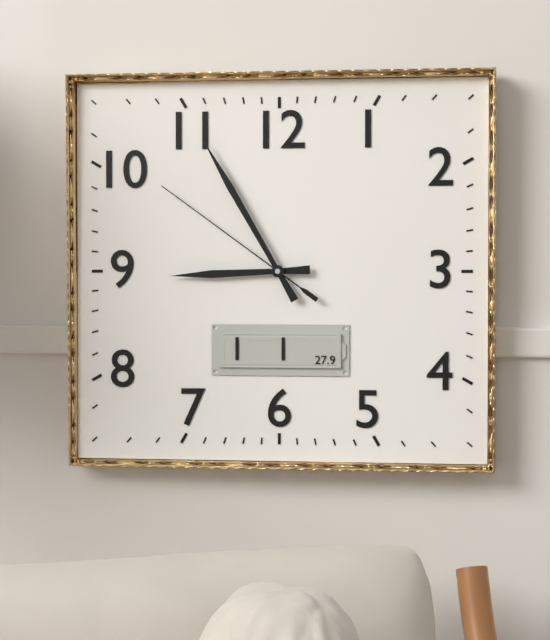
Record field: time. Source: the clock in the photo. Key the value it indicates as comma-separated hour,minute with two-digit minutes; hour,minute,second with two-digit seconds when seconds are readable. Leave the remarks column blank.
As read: 8,55,51
